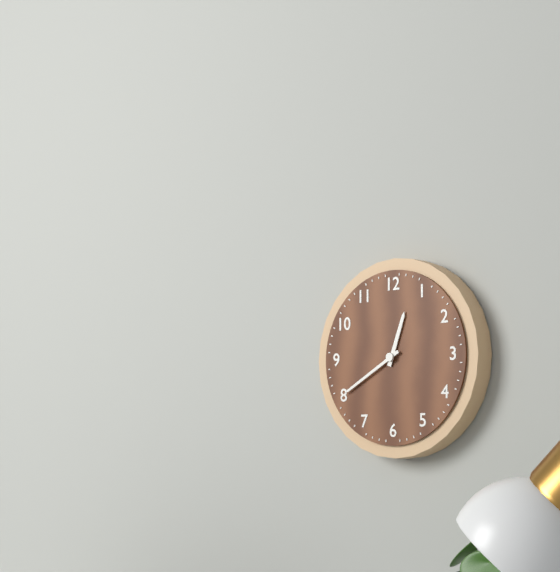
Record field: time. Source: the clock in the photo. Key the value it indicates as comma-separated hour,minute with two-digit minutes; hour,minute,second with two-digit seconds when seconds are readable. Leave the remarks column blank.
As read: 12,40
